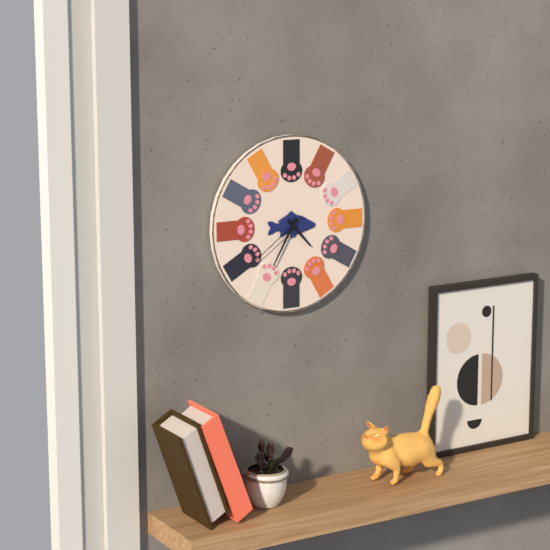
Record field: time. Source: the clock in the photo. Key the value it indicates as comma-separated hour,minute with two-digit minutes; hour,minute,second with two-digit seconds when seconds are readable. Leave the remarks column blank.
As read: 4,35,39
